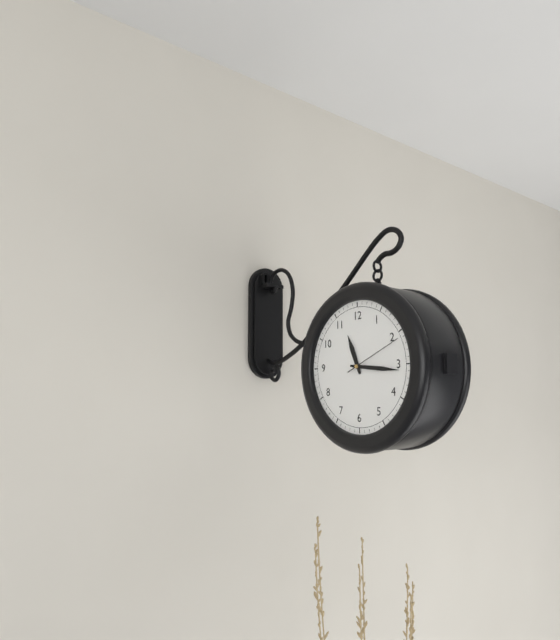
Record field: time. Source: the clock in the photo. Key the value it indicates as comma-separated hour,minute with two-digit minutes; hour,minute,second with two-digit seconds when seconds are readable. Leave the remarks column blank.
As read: 11,16,11
